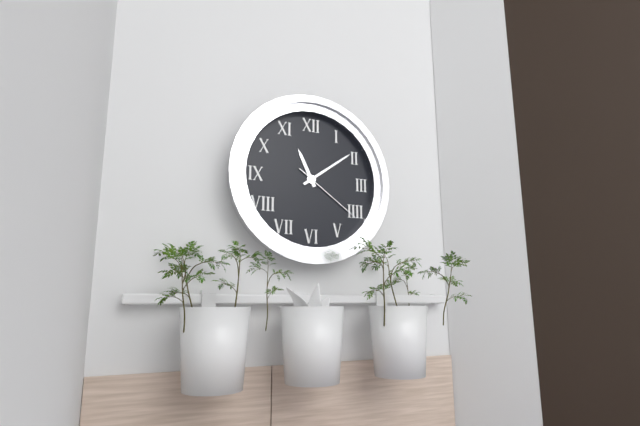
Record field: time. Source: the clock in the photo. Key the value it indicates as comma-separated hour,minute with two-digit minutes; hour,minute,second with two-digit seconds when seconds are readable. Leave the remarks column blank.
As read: 11,09,21
